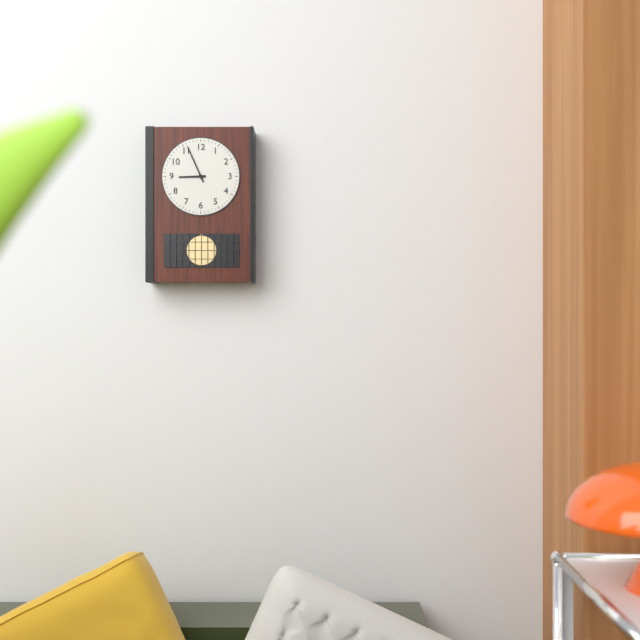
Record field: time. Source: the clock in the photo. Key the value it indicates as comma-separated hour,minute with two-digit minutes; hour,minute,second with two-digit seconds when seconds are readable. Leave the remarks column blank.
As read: 8,56
